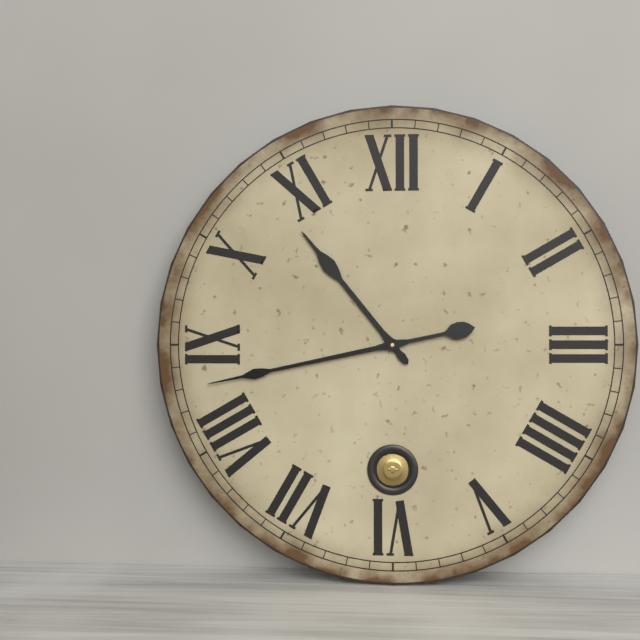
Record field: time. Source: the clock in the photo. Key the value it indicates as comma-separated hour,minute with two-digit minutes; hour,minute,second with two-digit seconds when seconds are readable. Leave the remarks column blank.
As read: 10,43
